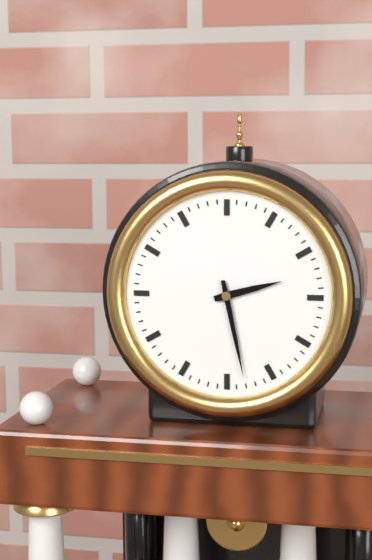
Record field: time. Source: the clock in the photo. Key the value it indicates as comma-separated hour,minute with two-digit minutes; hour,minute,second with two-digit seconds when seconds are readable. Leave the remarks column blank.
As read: 2,28
